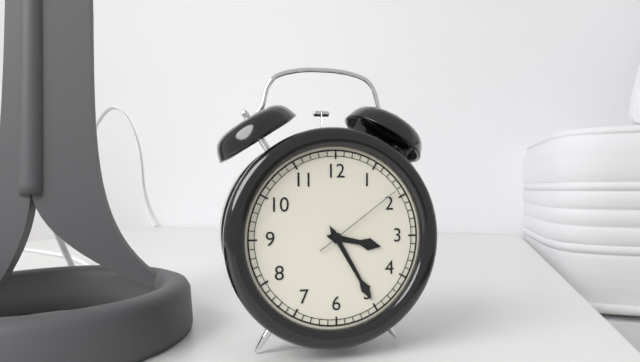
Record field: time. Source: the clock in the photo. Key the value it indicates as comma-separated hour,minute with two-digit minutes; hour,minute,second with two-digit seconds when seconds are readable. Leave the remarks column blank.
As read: 3,25,09
